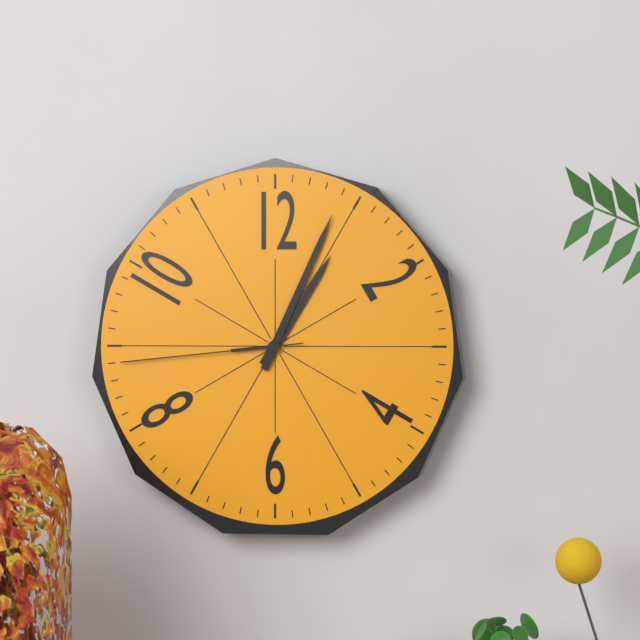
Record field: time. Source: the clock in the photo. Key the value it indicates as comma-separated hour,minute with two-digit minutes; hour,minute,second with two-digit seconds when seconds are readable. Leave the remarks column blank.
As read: 1,04,44
